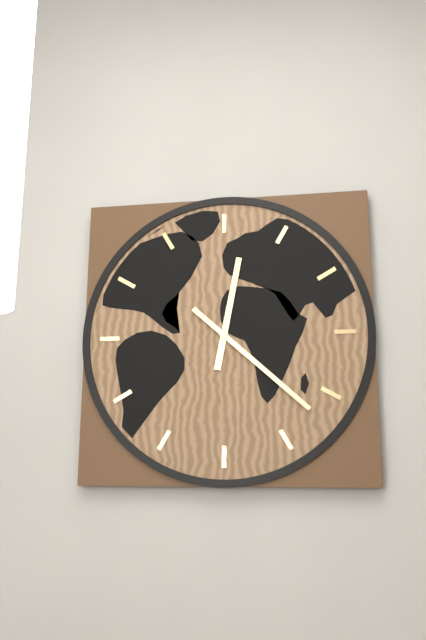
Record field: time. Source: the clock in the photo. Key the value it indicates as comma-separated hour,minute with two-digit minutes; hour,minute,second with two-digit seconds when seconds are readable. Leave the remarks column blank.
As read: 12,22
